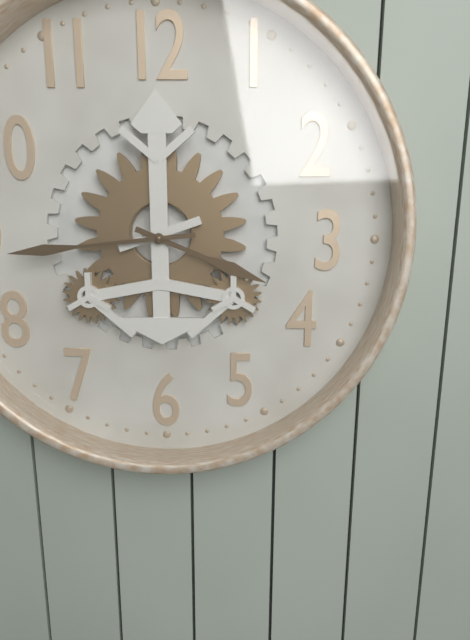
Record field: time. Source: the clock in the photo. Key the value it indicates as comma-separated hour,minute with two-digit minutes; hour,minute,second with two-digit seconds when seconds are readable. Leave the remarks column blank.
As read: 3,44
